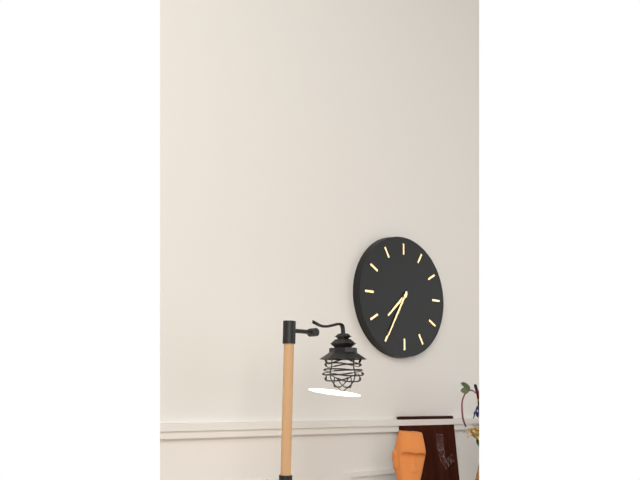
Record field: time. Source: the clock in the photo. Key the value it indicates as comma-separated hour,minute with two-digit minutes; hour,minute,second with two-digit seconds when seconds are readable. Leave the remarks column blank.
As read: 7,35
